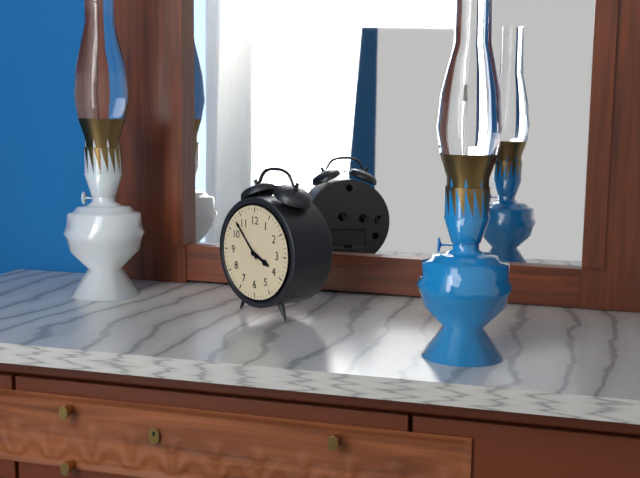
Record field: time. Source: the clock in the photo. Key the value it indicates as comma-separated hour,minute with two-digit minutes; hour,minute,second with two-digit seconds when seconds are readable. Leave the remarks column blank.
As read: 3,53
